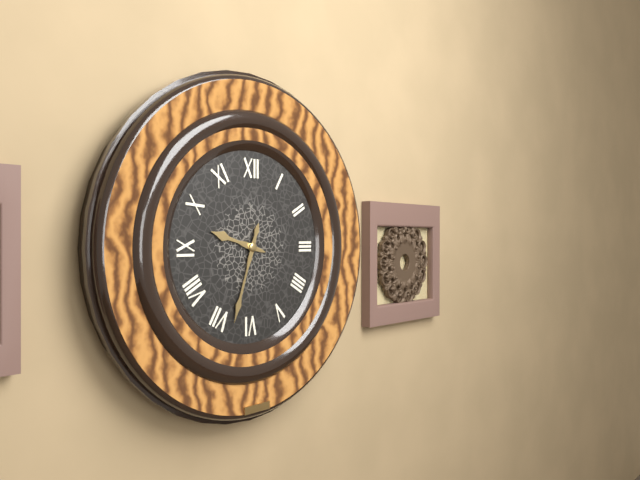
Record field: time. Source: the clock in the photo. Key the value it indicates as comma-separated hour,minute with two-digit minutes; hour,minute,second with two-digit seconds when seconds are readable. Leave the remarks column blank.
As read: 9,33
